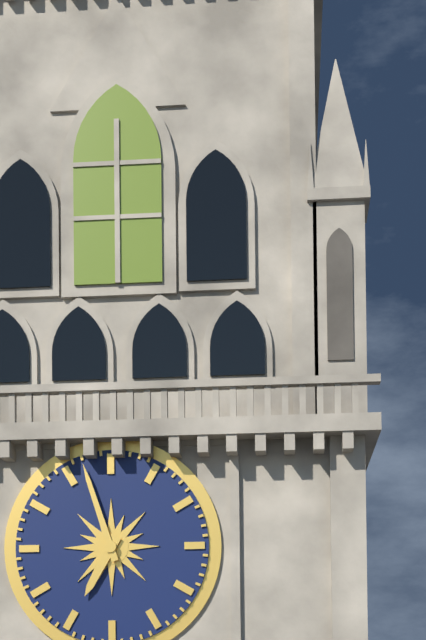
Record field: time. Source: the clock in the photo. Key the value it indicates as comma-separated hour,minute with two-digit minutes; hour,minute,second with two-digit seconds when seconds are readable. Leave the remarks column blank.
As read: 6,57
